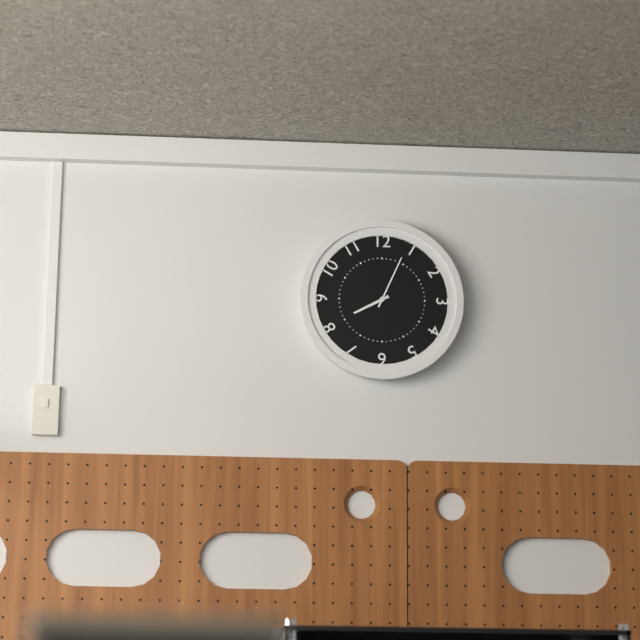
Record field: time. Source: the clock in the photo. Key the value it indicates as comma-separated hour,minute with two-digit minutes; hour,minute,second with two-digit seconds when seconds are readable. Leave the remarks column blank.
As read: 8,04
